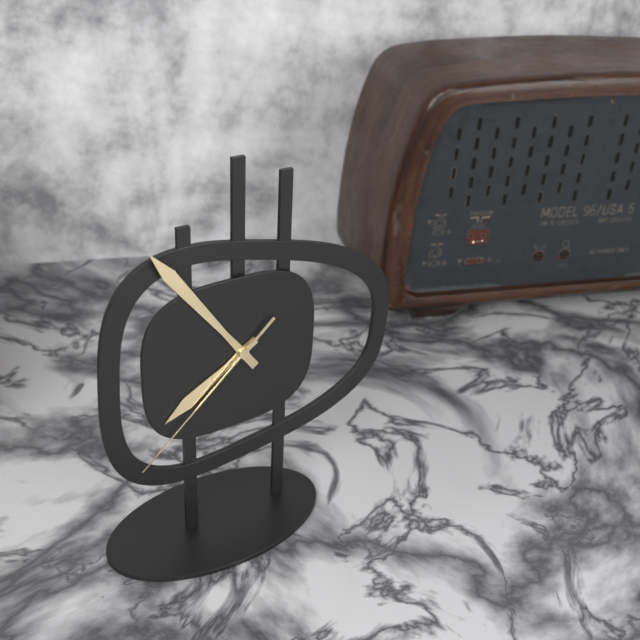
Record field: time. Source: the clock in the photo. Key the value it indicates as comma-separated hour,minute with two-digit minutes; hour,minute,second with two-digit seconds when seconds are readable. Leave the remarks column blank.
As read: 7,54,38
